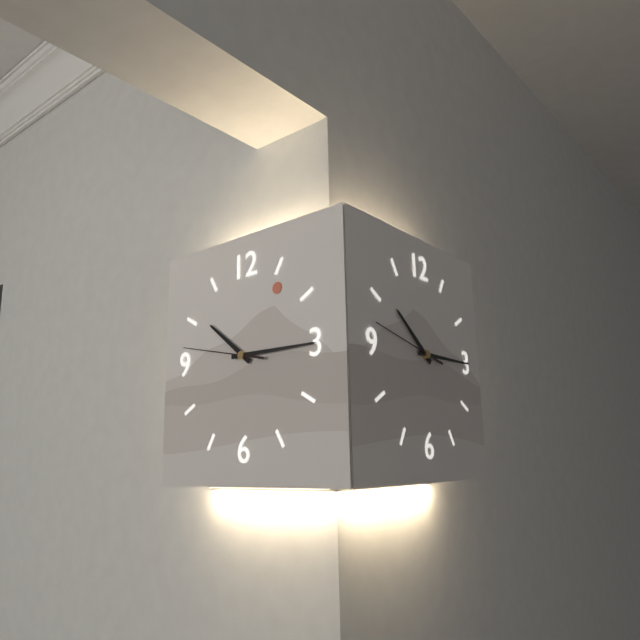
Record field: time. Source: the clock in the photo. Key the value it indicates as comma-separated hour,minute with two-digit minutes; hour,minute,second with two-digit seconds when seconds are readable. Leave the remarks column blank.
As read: 10,15,47
